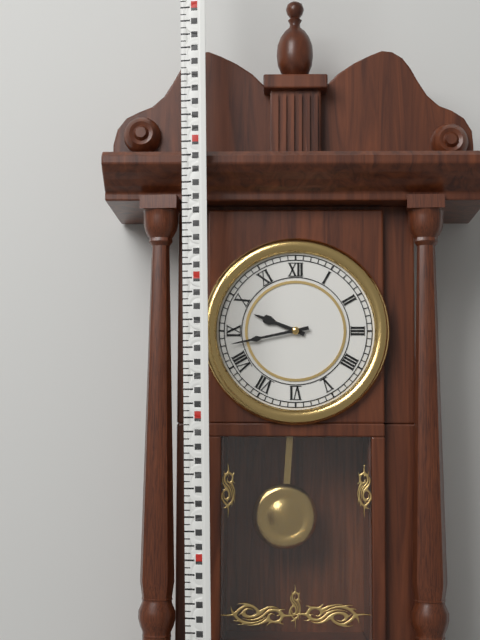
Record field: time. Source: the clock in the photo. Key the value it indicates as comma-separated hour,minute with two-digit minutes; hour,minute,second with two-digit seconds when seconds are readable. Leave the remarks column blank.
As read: 9,43
